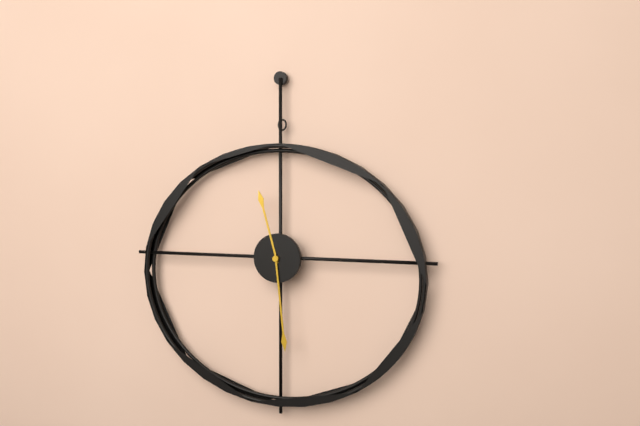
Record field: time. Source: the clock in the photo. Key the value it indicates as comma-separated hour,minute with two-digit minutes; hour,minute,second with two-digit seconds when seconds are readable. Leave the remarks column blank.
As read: 11,29
